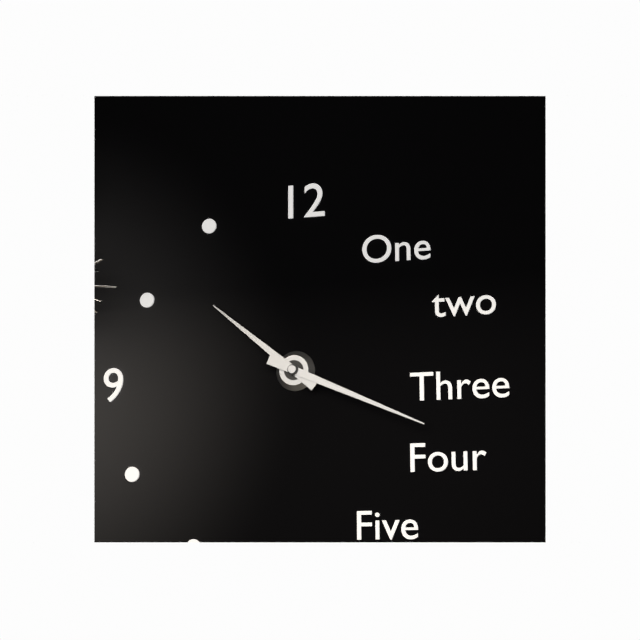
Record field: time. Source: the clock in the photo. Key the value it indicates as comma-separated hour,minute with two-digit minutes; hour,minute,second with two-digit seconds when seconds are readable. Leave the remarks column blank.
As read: 10,19
